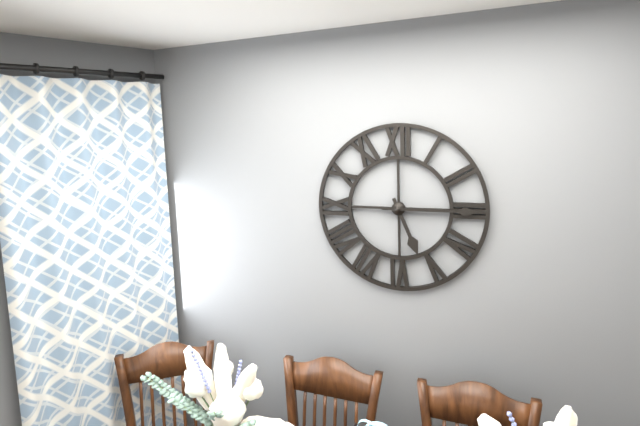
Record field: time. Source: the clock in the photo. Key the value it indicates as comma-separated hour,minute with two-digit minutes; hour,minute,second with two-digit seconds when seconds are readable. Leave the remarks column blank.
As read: 5,15
